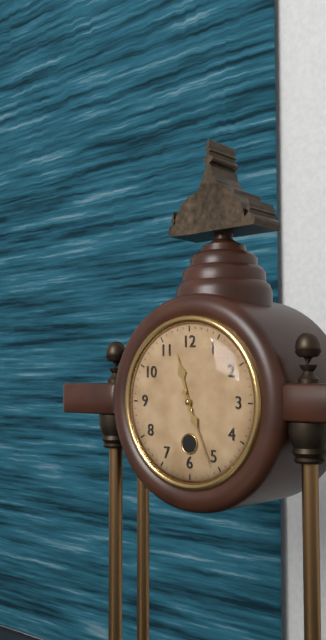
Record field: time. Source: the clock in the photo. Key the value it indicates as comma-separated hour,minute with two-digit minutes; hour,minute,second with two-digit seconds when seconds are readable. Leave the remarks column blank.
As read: 11,26
